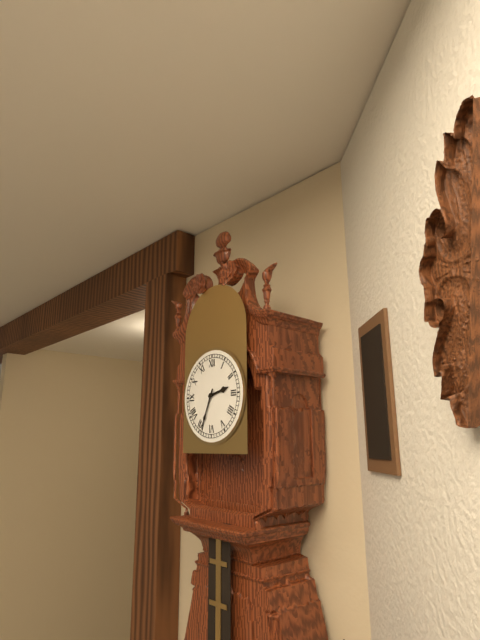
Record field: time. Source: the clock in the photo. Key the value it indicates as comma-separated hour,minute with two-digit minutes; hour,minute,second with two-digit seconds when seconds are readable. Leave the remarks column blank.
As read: 2,34
